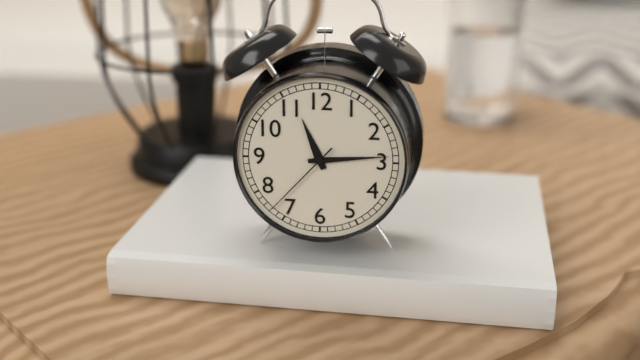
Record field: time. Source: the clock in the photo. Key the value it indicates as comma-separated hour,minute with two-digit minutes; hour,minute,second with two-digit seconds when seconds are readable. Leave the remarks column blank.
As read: 11,14,37
